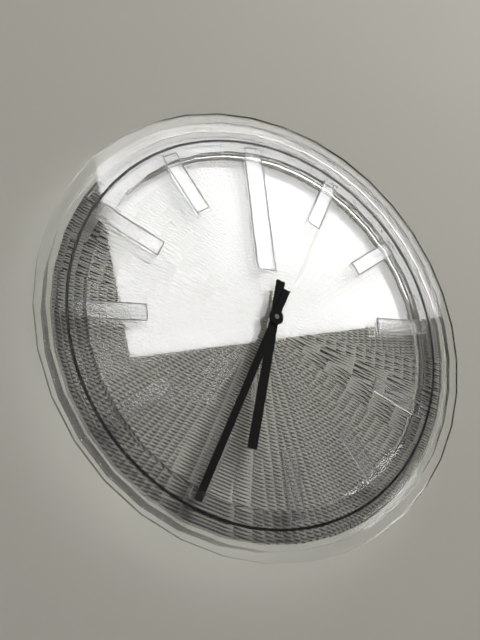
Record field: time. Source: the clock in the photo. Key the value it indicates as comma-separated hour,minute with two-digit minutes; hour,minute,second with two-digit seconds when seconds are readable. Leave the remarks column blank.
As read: 6,35
